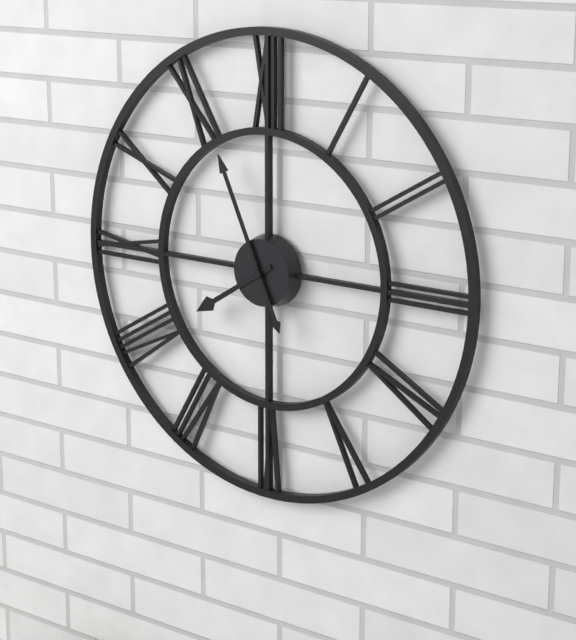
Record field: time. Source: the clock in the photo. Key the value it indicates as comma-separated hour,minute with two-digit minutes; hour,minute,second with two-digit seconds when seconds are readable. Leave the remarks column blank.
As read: 7,56
